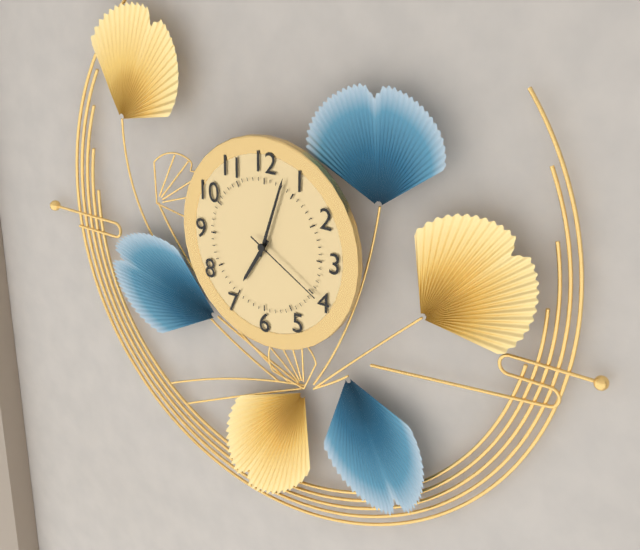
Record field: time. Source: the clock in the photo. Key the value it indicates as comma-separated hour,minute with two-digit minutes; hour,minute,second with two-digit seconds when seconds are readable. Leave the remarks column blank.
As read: 7,03,20
